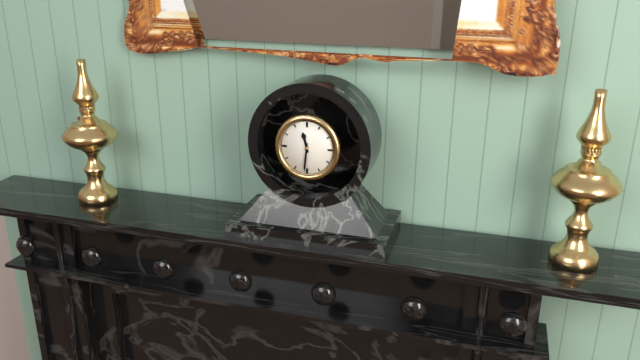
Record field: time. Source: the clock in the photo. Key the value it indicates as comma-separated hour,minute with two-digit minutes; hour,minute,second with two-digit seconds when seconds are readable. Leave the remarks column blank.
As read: 11,31
